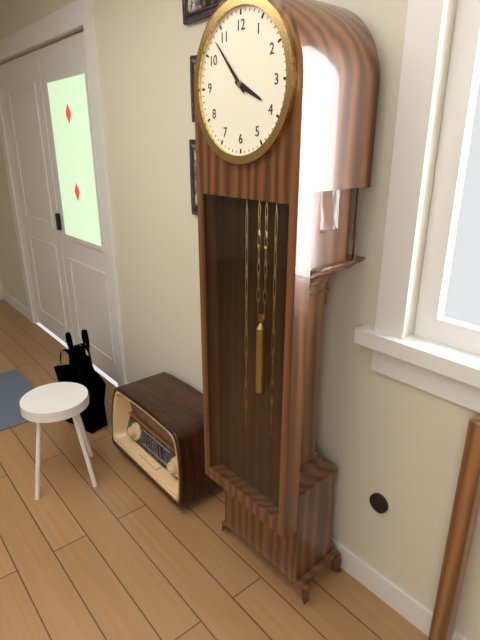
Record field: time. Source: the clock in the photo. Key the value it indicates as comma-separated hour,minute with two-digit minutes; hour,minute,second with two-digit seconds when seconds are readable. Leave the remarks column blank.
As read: 3,53
